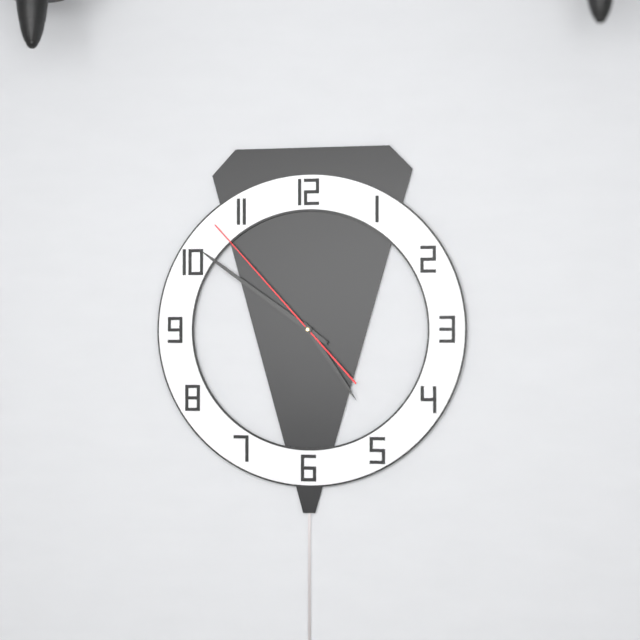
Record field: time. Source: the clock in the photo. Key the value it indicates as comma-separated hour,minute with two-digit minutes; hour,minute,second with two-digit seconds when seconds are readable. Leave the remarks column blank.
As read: 4,51,53
